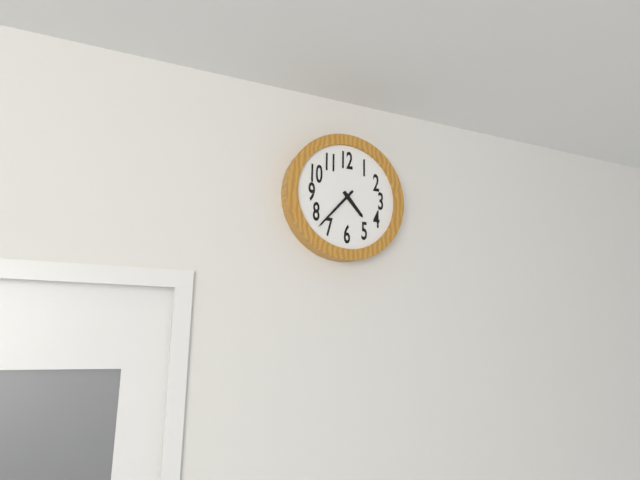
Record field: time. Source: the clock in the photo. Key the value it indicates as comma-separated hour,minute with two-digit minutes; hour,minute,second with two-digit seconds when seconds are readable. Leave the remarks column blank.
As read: 4,37
